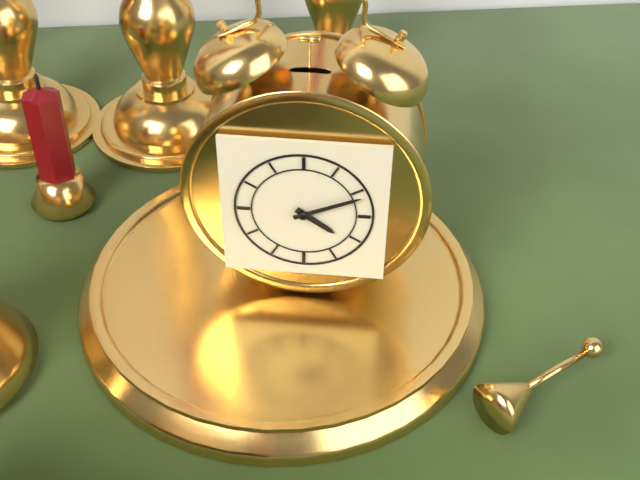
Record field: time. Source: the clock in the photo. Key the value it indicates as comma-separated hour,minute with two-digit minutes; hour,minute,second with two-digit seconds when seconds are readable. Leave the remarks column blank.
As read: 4,11
